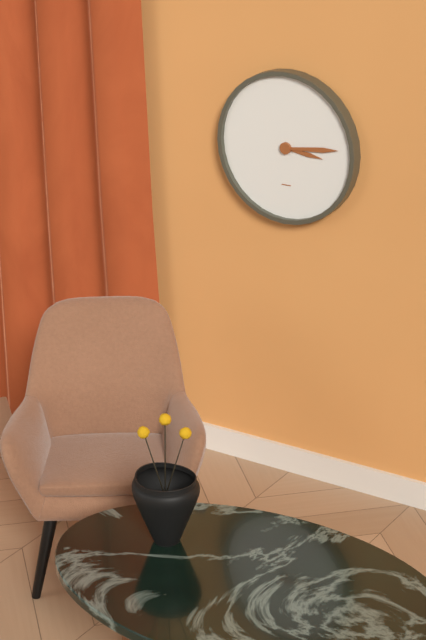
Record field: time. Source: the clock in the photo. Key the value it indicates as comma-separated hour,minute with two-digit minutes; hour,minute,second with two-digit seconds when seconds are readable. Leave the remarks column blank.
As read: 3,14
